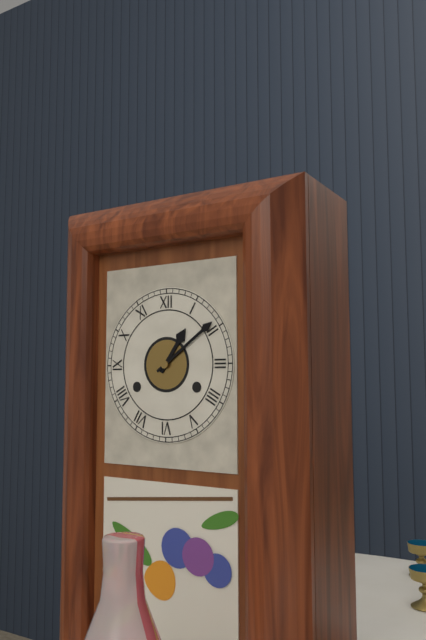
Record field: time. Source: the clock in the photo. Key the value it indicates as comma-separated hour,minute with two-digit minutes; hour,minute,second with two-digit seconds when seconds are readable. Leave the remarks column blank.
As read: 1,09
